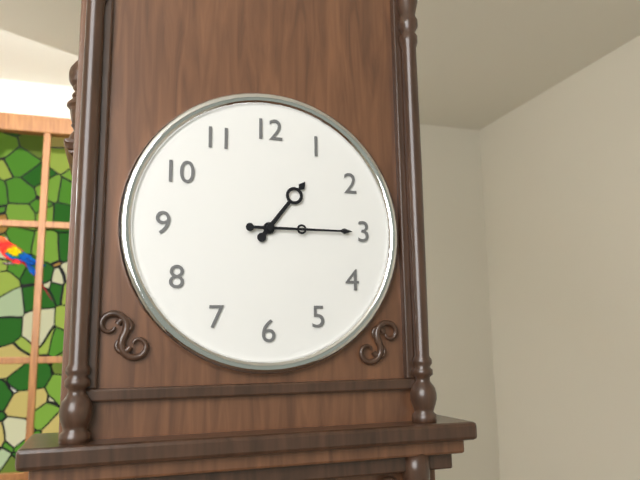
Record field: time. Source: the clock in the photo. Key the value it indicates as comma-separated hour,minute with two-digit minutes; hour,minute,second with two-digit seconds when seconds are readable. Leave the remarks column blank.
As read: 1,15
